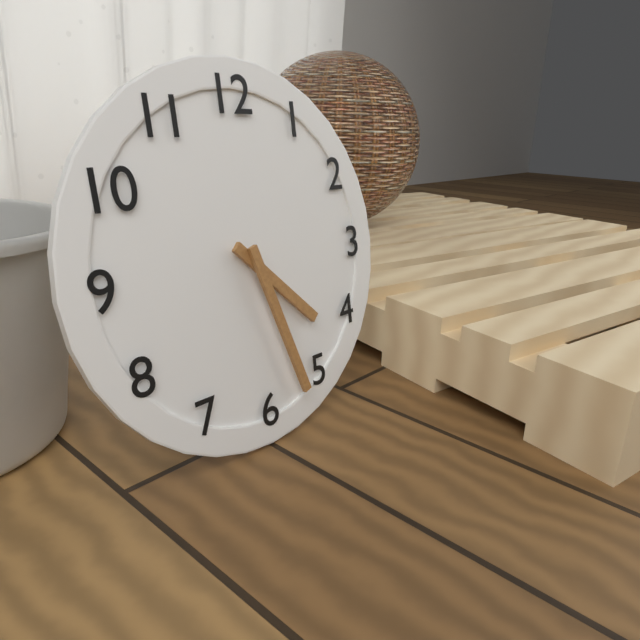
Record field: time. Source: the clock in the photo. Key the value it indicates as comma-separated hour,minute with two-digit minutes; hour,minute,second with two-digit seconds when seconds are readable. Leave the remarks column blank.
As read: 4,27
